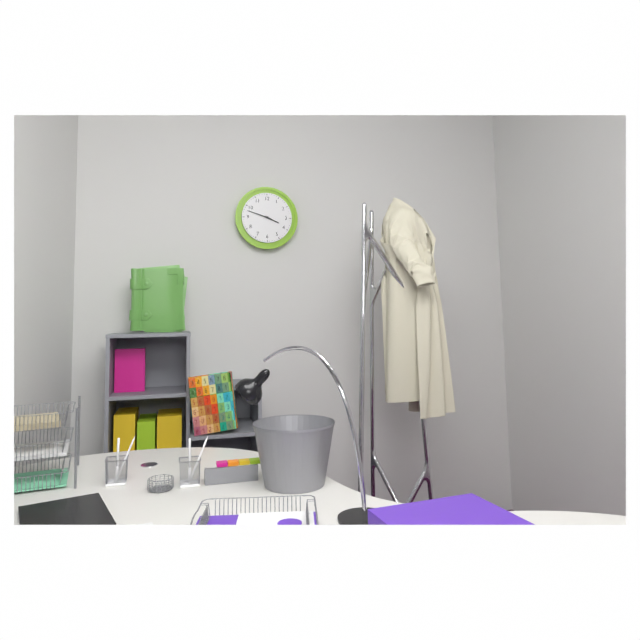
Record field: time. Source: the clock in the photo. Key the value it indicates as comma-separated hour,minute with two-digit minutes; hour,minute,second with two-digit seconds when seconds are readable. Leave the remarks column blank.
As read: 3,48
